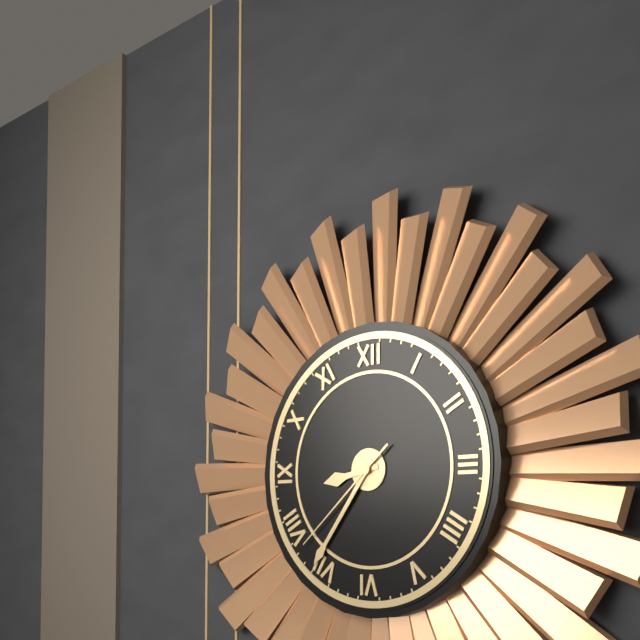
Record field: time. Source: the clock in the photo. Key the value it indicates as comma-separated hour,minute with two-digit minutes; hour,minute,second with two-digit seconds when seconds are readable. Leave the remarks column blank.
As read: 8,36,38
